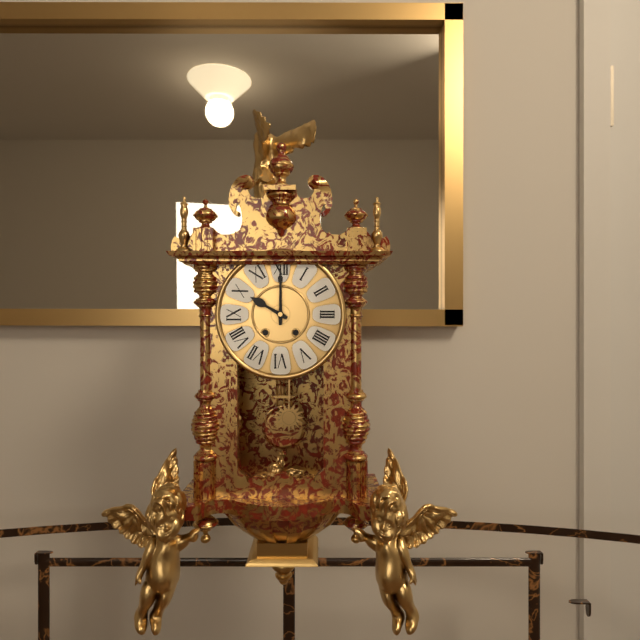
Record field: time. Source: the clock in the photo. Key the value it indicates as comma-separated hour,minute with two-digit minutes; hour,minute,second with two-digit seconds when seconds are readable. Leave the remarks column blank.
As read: 10,00
